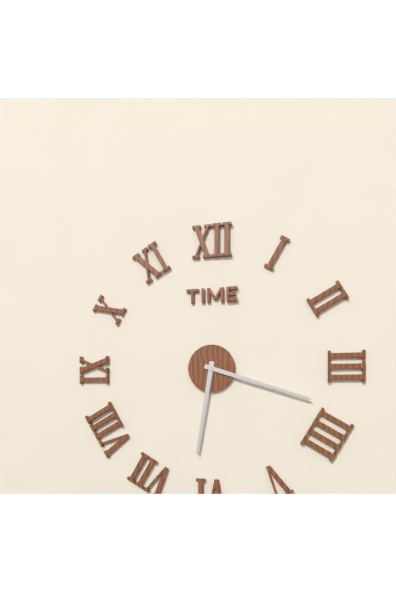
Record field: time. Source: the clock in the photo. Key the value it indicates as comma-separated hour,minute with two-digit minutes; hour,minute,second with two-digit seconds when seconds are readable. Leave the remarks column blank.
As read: 6,18
